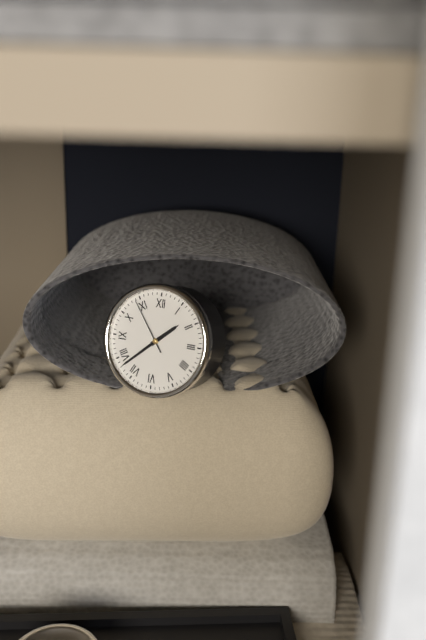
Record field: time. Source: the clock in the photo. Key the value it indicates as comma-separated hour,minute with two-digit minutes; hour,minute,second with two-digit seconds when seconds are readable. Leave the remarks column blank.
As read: 1,38,54
